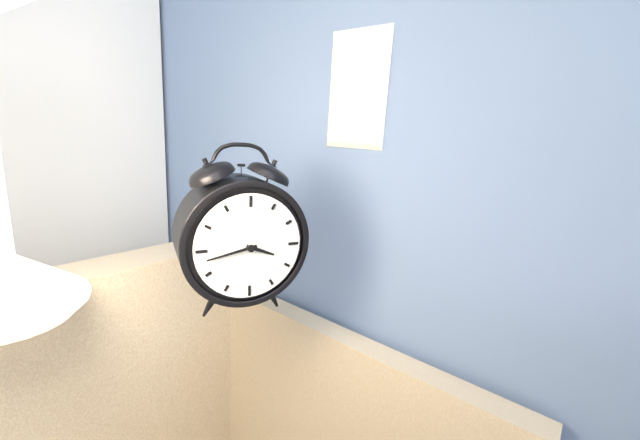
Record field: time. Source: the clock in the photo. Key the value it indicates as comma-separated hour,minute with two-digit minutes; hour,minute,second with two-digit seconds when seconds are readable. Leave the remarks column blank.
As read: 3,43
